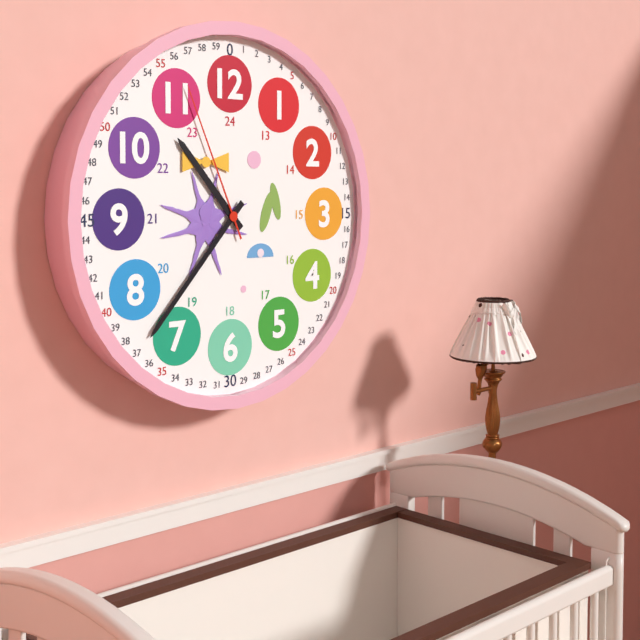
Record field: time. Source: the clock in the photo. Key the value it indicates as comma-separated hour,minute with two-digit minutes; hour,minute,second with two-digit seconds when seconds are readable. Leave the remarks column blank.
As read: 10,37,56
